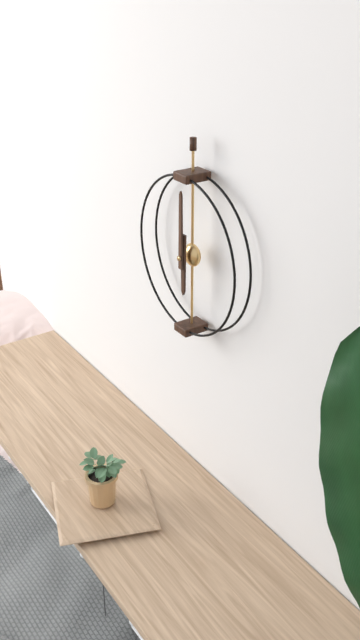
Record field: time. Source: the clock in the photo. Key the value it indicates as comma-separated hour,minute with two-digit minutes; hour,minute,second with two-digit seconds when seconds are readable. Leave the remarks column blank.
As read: 6,00
